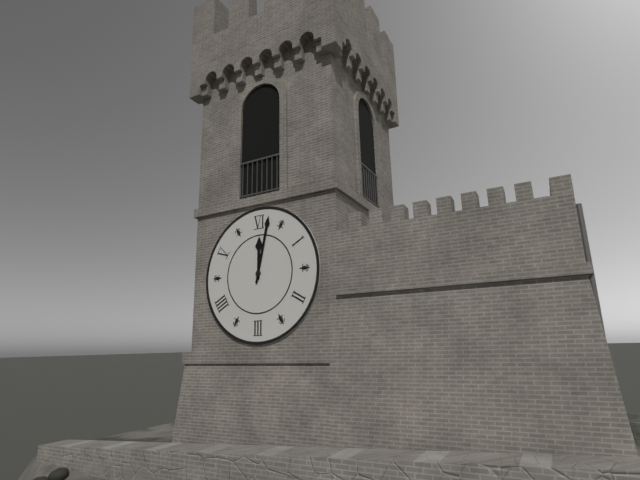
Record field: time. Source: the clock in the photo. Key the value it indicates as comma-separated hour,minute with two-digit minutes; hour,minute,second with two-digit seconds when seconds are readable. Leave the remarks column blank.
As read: 12,02
